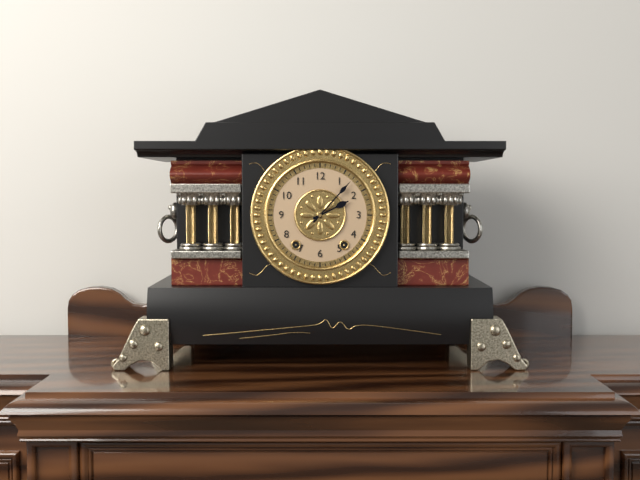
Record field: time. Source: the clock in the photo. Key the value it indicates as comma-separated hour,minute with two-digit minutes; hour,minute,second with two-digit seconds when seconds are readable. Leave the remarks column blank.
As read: 2,07
